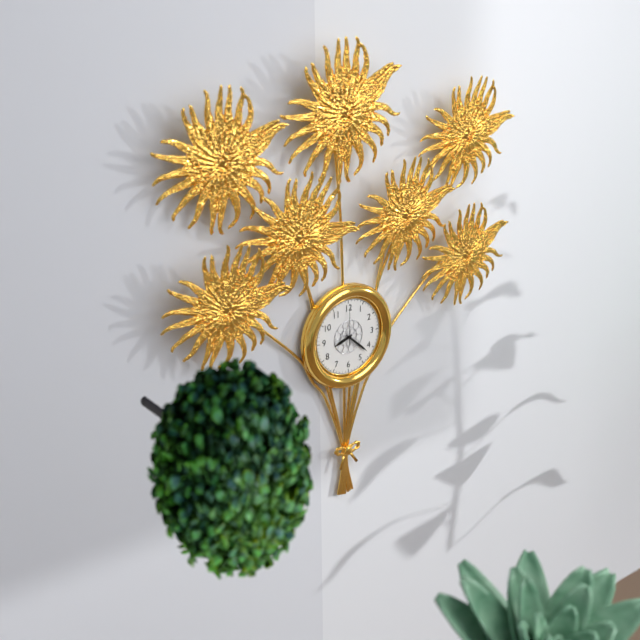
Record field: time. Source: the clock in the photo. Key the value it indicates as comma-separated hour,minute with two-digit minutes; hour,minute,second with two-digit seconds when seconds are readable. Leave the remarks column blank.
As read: 8,22
